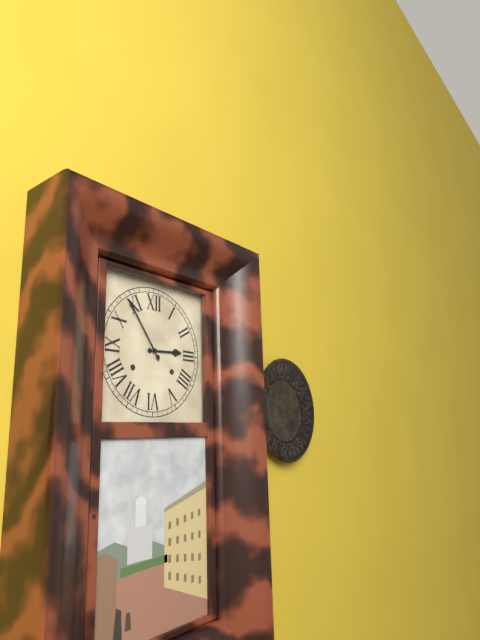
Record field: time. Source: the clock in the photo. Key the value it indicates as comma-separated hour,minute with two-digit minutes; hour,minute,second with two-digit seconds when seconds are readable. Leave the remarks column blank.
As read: 2,54
